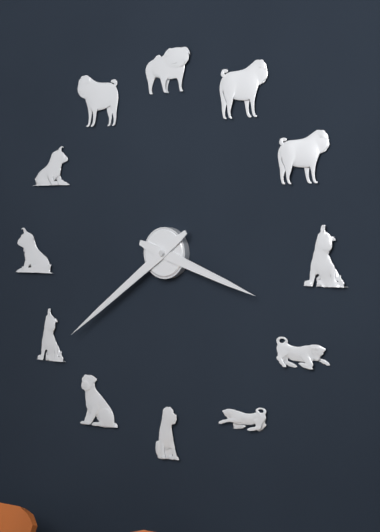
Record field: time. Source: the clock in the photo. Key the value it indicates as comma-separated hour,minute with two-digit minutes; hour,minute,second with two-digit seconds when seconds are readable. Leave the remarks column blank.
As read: 3,39
